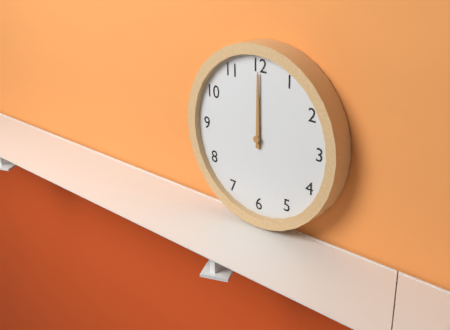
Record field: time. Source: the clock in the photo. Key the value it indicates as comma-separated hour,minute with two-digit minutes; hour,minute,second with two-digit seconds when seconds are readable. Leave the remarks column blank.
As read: 12,00
